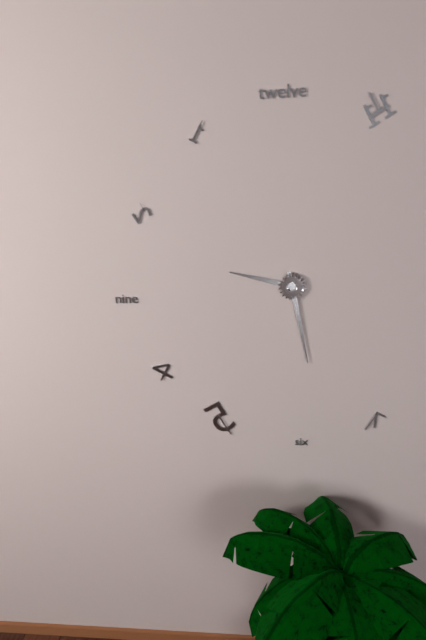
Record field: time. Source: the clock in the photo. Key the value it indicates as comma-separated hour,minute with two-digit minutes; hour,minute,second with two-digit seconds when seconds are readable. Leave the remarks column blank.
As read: 9,28
